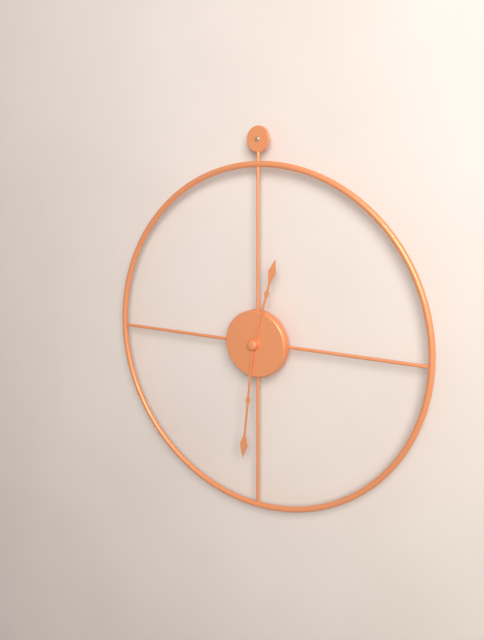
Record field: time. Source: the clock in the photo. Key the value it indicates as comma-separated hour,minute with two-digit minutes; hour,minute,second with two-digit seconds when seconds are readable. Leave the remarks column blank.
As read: 12,31
